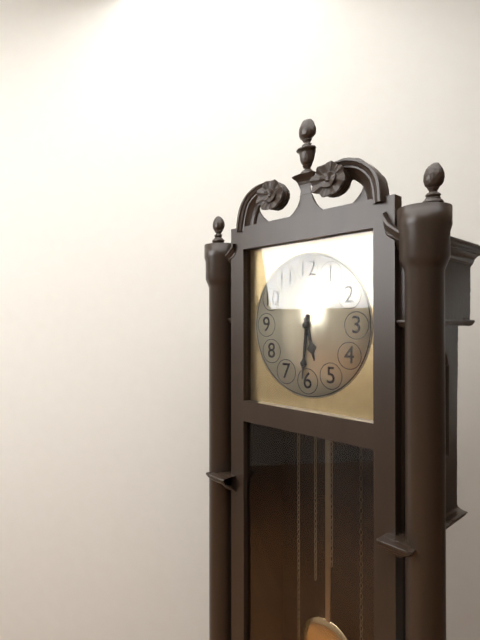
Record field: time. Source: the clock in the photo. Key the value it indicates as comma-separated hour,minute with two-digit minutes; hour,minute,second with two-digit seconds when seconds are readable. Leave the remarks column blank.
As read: 5,31
